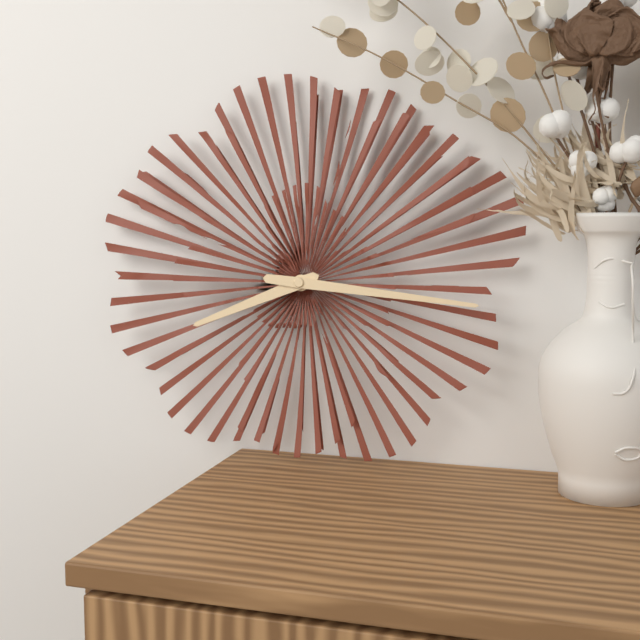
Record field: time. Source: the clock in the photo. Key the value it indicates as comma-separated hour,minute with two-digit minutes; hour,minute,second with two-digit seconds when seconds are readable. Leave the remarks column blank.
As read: 8,16
